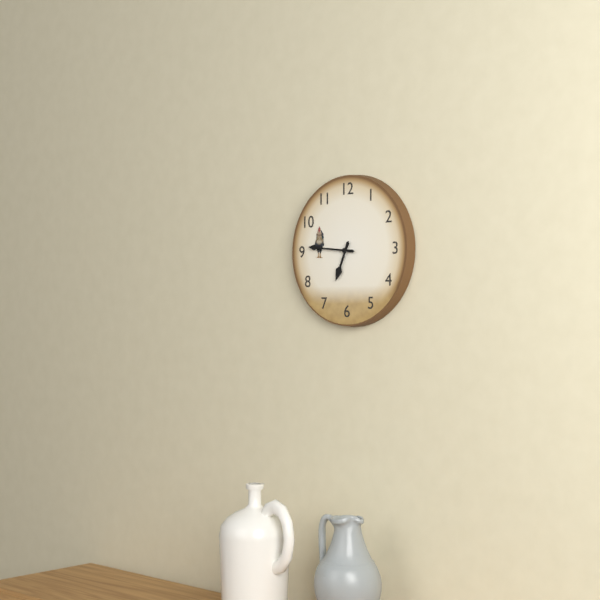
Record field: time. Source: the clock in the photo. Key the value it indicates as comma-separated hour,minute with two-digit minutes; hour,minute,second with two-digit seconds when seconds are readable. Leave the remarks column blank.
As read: 6,46
